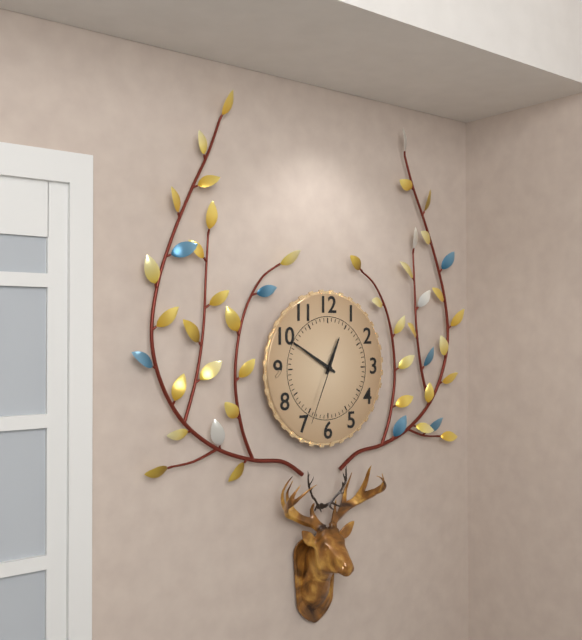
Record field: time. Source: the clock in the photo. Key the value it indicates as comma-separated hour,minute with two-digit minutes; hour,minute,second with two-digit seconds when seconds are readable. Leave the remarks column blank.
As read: 12,50,34
